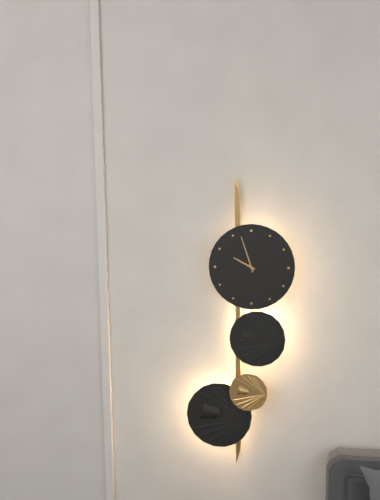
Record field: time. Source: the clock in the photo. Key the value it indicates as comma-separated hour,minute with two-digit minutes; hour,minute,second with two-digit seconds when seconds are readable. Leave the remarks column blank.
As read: 9,57
